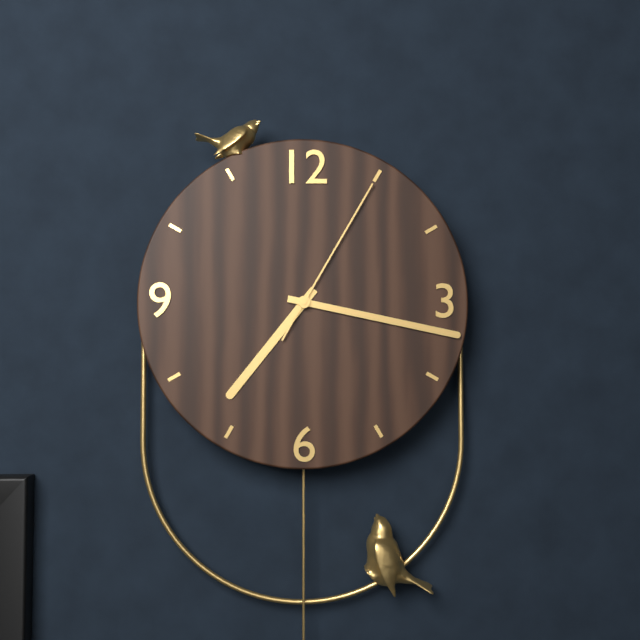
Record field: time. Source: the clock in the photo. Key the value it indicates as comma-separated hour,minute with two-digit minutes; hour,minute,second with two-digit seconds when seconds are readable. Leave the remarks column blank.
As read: 7,17,05
